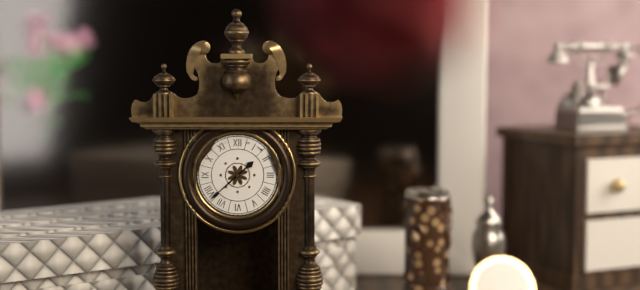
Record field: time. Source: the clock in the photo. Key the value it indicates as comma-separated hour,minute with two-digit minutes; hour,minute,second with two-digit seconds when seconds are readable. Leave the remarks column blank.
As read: 1,38
